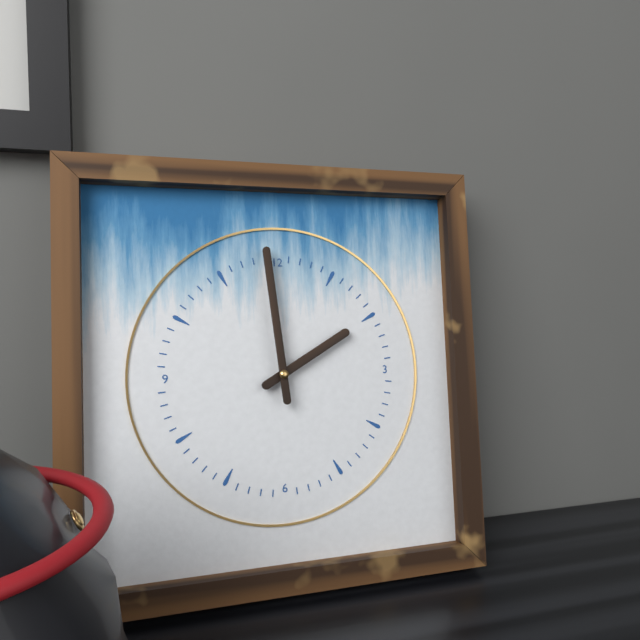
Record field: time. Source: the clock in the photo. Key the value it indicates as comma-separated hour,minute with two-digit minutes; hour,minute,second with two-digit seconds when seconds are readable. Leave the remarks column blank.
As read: 1,59
